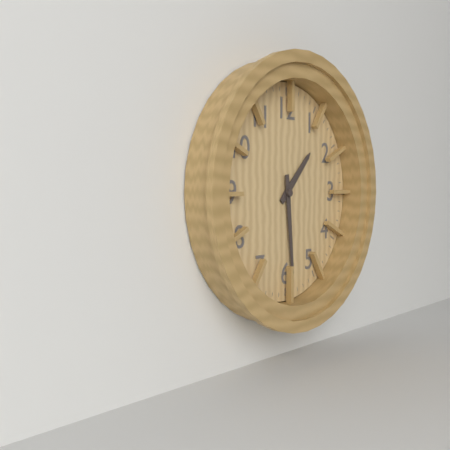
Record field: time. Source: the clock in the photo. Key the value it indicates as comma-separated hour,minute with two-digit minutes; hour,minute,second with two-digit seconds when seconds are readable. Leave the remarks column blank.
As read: 1,29
